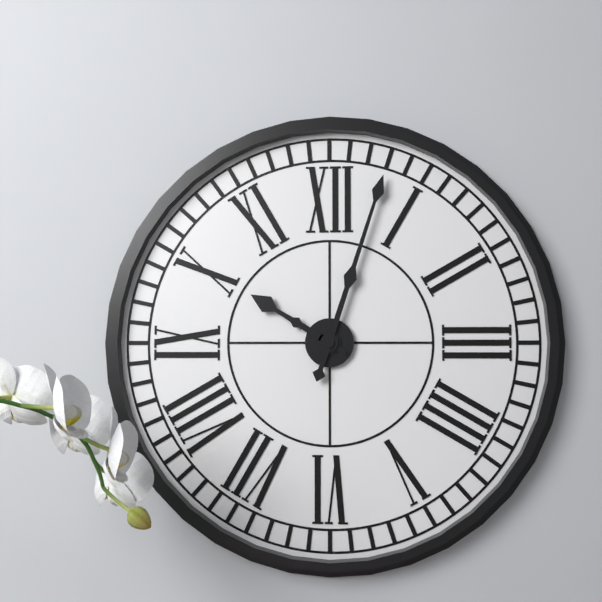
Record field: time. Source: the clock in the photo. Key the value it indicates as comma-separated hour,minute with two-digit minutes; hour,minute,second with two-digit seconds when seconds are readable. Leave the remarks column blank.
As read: 10,03
